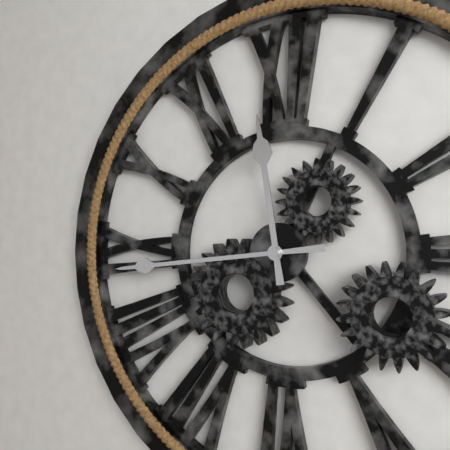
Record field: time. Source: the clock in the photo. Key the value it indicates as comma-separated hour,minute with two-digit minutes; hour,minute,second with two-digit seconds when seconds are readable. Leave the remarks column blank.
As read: 11,44
